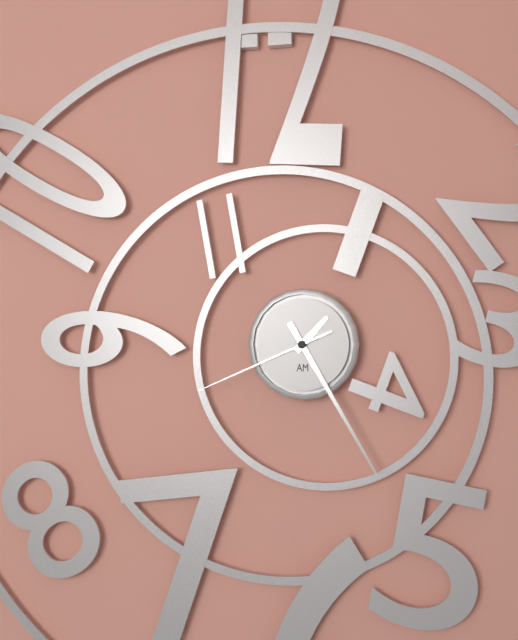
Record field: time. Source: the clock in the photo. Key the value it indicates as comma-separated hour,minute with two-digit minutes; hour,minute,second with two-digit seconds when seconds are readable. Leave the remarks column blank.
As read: 1,25,41
